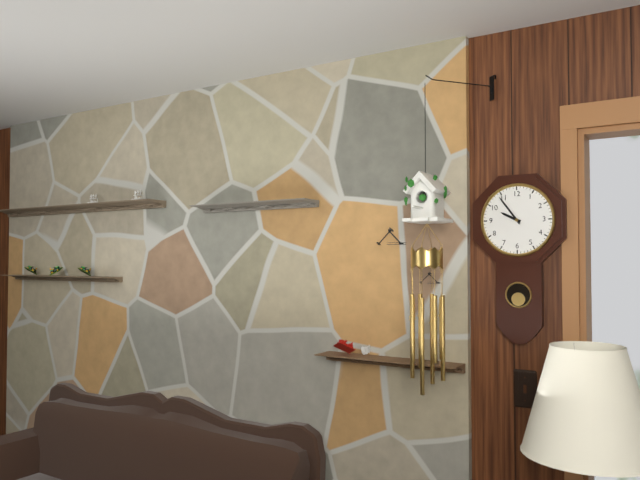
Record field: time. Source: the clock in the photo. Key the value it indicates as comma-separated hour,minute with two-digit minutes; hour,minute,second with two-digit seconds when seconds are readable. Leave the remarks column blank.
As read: 9,54
